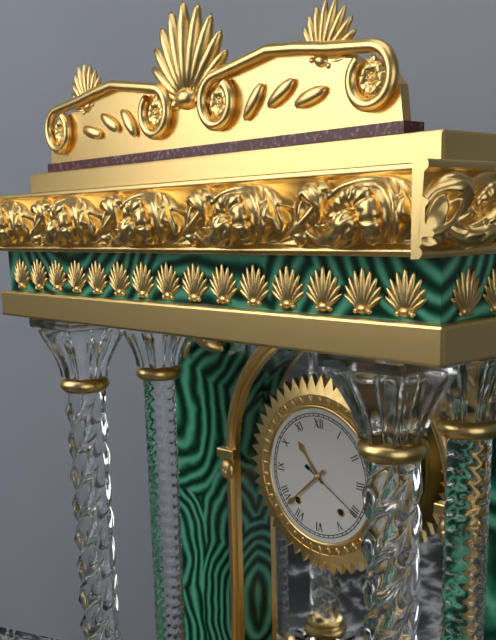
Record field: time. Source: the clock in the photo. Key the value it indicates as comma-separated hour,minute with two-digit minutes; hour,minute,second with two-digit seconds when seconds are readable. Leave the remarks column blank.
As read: 10,38,20
